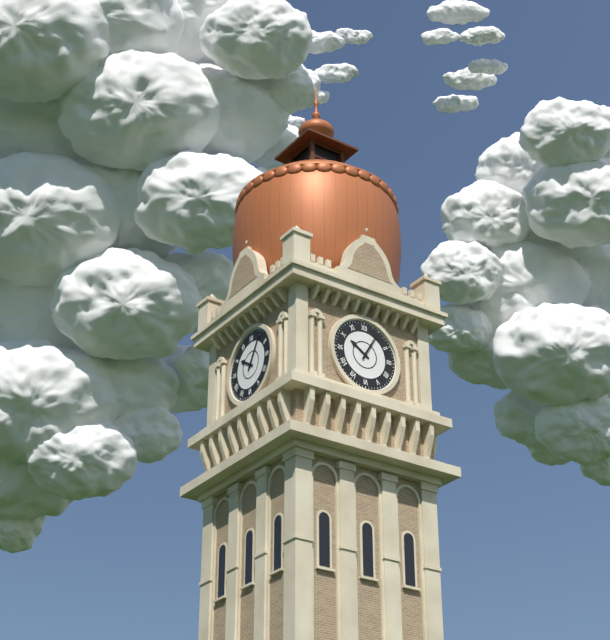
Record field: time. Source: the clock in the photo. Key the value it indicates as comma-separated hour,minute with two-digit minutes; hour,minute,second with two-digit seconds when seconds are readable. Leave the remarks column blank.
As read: 10,05
